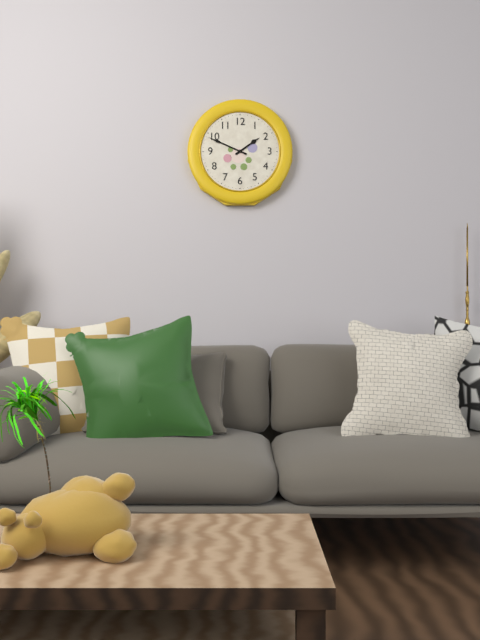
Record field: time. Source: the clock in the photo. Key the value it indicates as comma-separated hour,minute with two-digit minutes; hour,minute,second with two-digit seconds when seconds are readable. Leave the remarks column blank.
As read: 1,49
